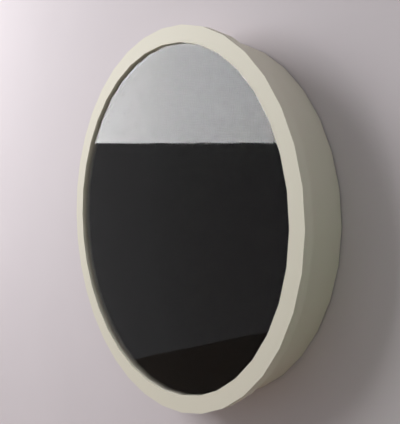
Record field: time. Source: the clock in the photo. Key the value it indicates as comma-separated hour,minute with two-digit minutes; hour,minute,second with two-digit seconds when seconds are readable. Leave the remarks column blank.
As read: 1,22,40
